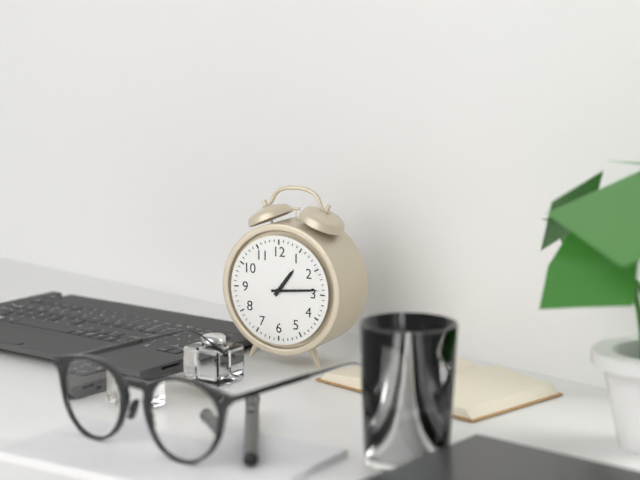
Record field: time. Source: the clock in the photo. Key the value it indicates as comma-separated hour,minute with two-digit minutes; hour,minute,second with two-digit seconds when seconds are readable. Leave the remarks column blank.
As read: 1,14
